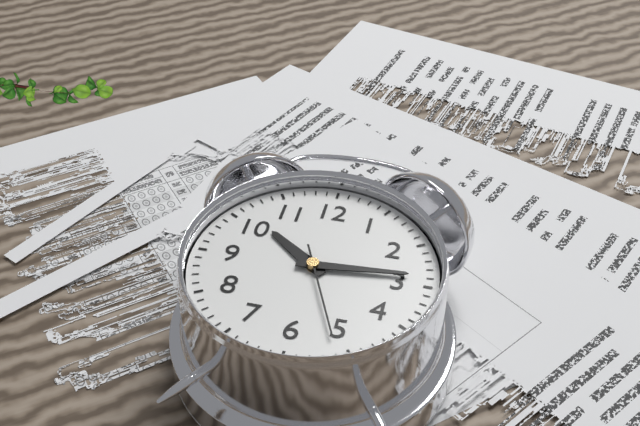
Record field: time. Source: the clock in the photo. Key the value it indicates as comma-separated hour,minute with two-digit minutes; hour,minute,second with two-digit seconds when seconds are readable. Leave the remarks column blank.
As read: 10,14,26
